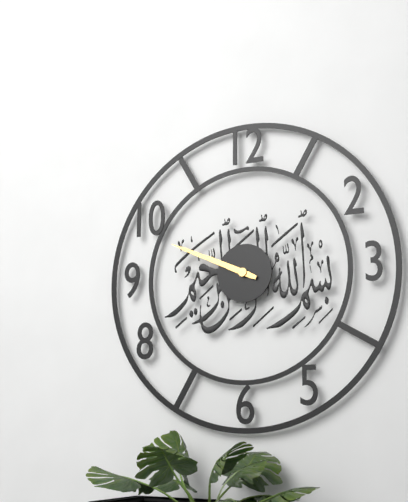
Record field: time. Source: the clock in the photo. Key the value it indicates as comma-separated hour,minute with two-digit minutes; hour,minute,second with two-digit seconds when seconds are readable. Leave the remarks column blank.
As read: 9,49
